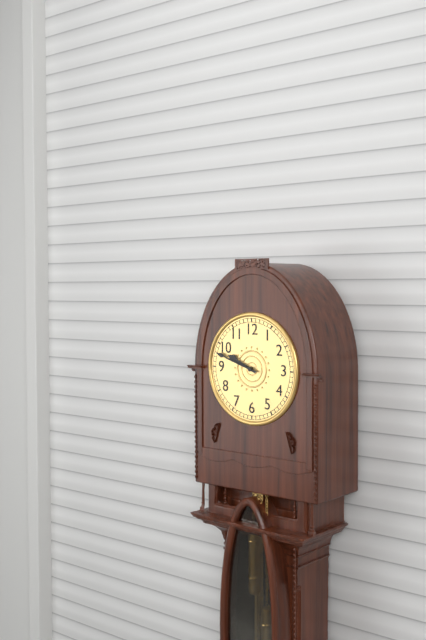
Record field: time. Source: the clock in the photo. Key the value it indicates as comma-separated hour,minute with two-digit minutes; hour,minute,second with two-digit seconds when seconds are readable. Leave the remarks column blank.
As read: 9,48
